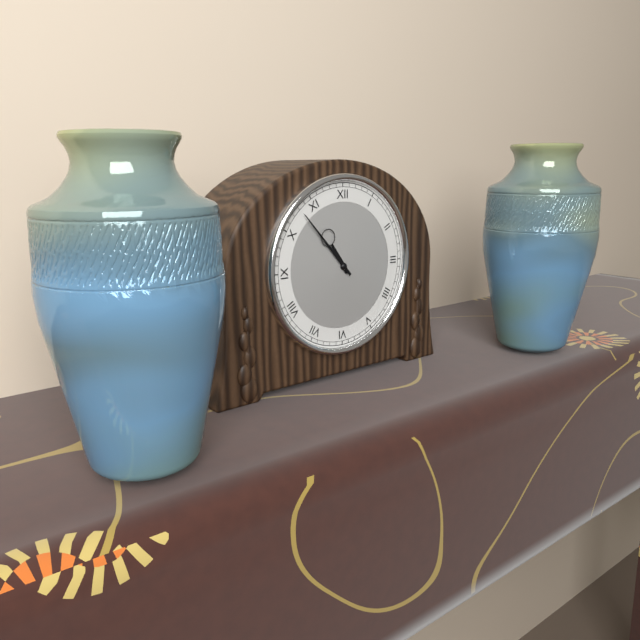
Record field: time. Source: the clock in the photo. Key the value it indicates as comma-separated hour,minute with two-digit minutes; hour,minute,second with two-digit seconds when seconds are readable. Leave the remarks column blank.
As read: 10,53
